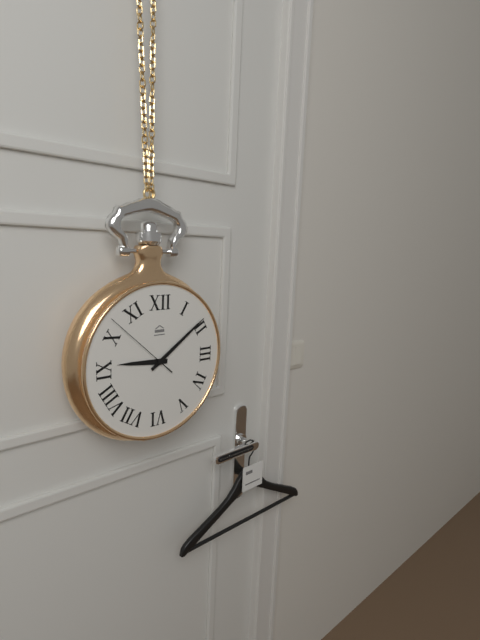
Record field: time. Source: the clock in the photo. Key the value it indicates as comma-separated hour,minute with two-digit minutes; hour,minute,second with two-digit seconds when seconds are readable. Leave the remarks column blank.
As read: 9,09,52
